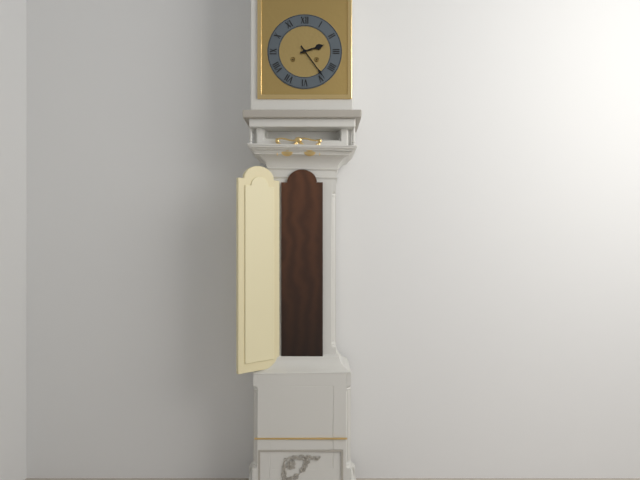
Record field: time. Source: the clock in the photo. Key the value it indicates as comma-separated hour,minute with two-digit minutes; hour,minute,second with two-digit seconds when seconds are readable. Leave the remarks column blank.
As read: 2,24
